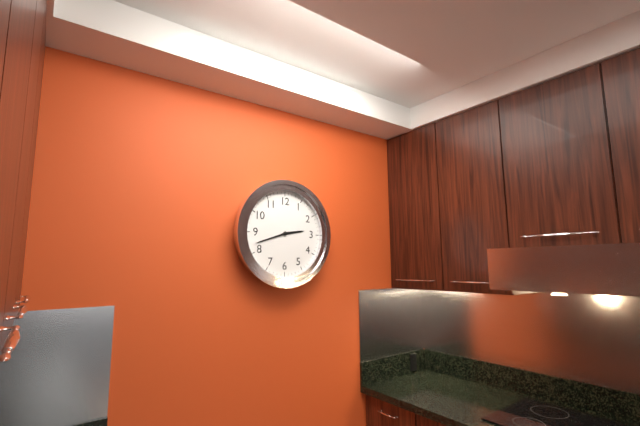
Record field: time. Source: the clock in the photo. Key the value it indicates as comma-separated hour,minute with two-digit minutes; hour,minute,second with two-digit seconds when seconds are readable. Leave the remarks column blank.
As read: 2,42
